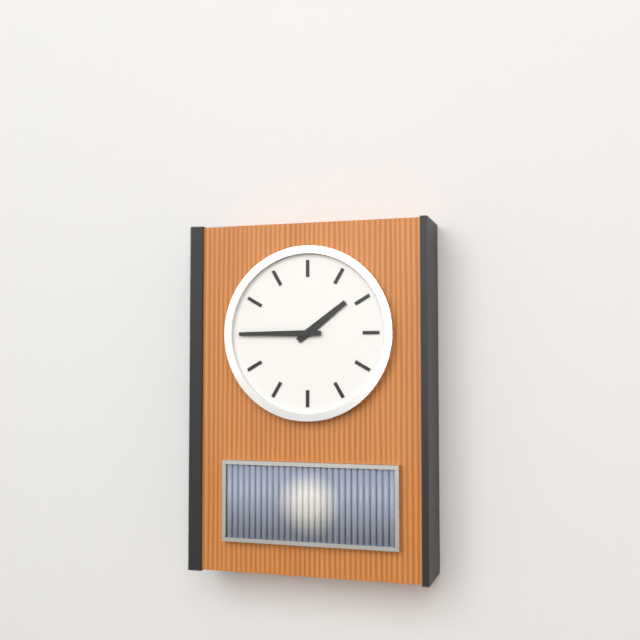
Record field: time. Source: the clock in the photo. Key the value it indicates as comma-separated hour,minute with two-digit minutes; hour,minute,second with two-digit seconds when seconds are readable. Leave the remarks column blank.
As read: 1,45
